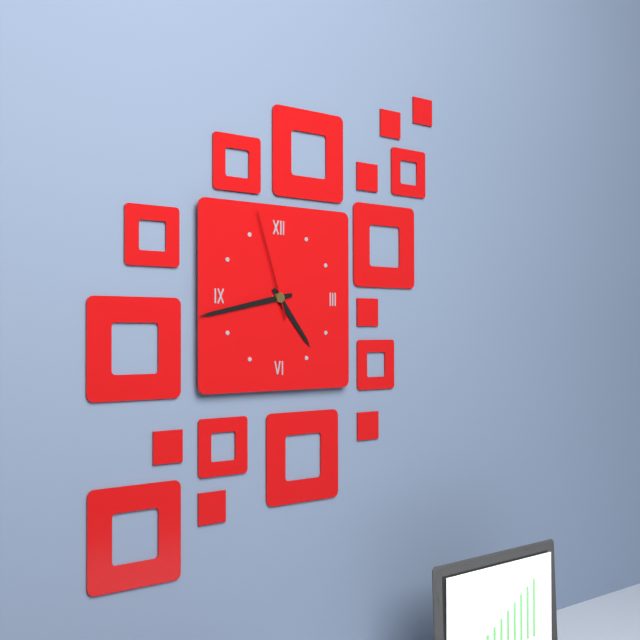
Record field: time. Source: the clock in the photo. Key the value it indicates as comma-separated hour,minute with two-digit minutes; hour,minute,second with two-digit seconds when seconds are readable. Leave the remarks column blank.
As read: 4,43,57
